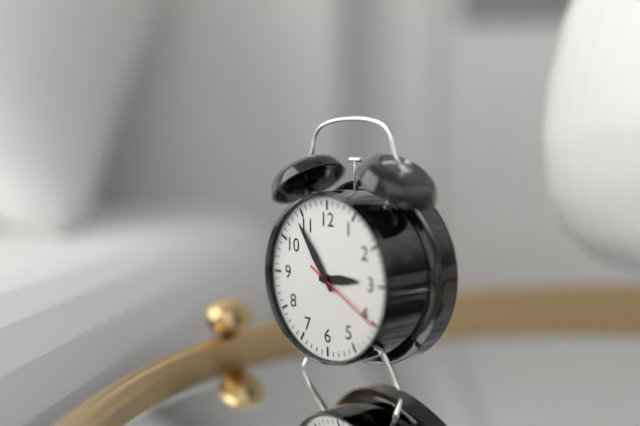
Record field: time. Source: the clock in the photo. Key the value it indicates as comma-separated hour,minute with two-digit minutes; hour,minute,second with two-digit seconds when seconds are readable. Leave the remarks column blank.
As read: 2,54,20
